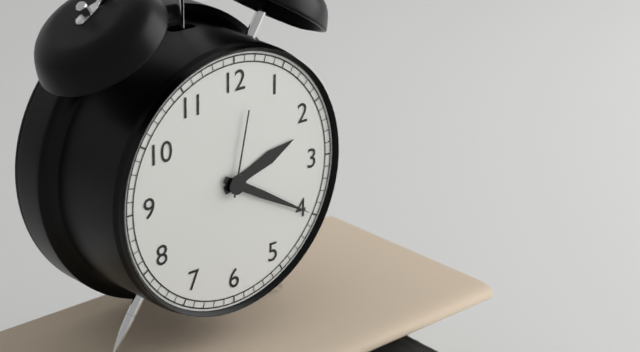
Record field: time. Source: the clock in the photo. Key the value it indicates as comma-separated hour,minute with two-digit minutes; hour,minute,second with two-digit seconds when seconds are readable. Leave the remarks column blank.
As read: 2,20,02
